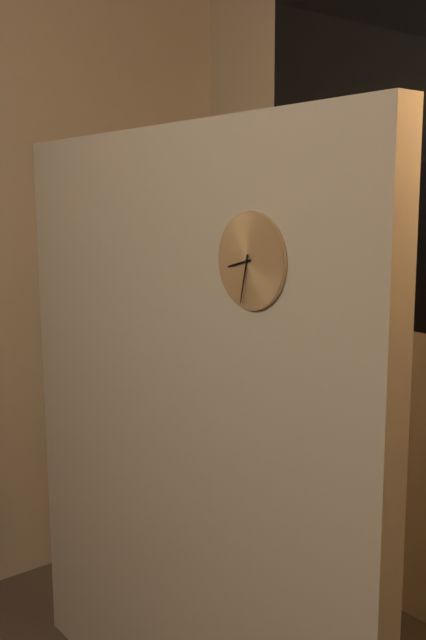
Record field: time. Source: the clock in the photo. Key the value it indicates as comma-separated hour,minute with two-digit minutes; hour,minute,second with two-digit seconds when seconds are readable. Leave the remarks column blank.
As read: 8,32
